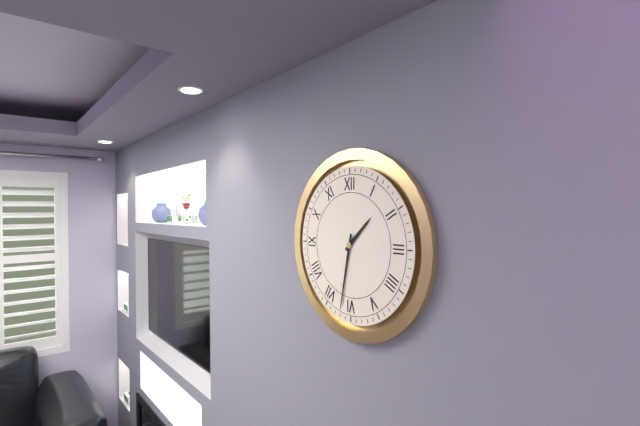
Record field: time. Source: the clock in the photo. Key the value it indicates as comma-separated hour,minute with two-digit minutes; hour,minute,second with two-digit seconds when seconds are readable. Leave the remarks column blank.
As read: 1,32
